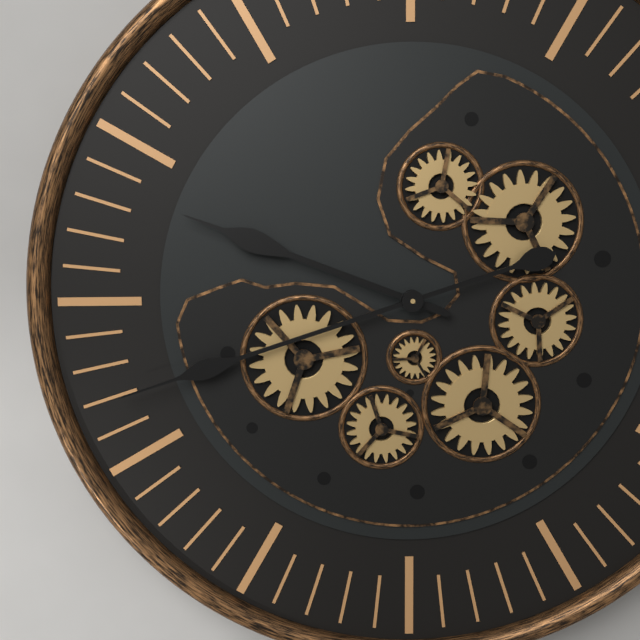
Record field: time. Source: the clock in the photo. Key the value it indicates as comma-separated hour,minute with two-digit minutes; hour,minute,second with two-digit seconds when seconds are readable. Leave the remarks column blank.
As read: 9,42
